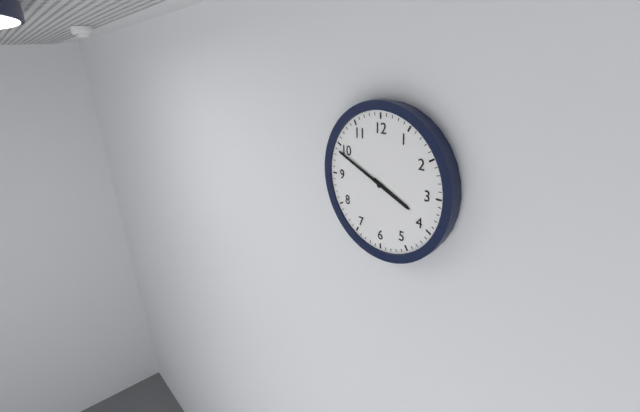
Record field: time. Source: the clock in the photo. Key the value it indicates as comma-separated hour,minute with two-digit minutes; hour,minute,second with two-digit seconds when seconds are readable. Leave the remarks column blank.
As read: 3,49
